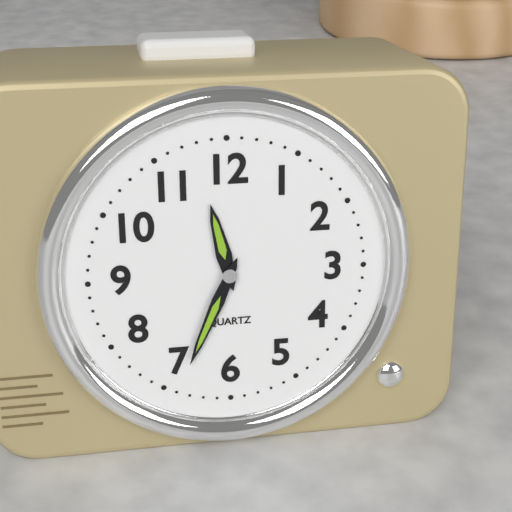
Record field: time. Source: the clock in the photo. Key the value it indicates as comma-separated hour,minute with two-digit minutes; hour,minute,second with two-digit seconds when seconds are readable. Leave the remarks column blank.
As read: 11,34
